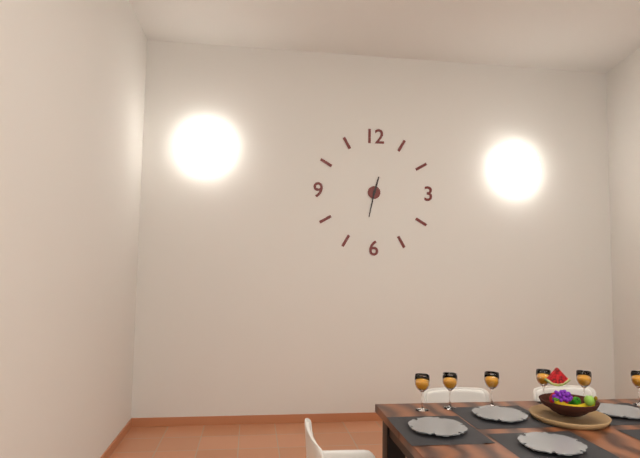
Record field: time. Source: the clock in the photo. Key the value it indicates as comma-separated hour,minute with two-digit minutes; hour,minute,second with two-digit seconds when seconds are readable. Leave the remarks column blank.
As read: 12,32
